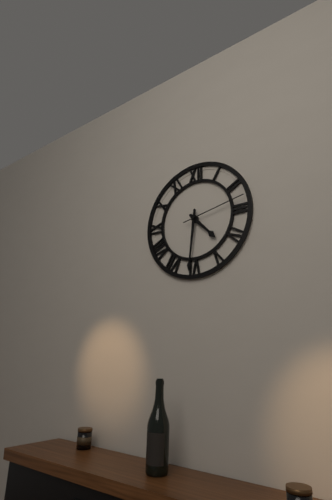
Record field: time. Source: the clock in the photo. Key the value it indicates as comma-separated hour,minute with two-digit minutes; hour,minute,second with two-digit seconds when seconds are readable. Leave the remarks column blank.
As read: 4,31,13
